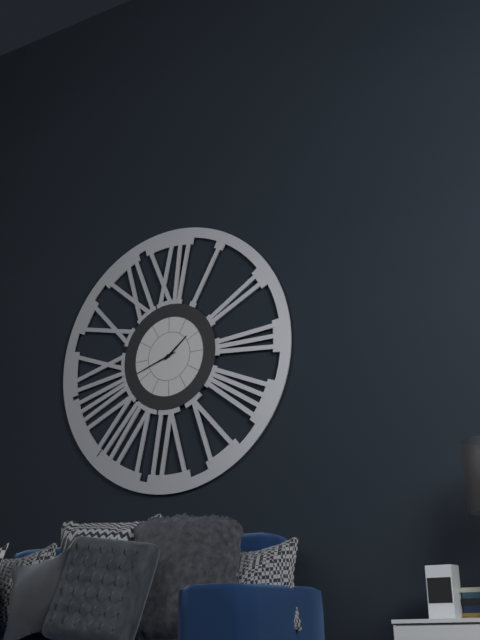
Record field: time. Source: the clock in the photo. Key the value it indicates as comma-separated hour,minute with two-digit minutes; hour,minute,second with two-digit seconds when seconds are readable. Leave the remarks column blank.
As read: 1,42
